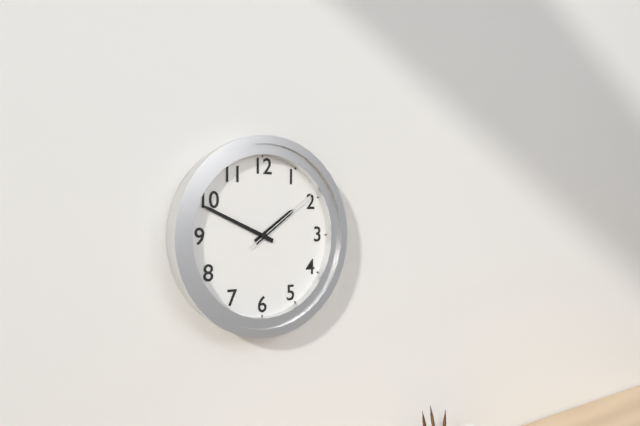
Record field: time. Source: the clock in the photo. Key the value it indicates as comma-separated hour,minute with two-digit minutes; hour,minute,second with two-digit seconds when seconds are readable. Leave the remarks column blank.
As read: 1,49,09
